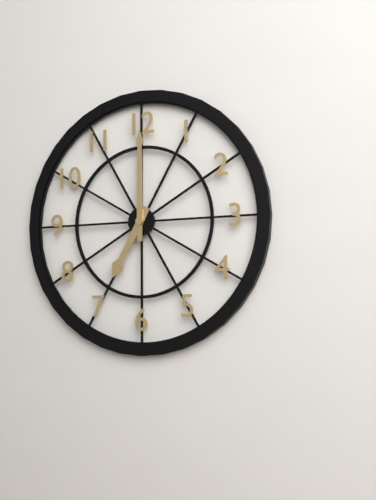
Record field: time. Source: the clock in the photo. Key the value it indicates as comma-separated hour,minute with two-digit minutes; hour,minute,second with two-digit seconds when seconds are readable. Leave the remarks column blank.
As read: 7,00
